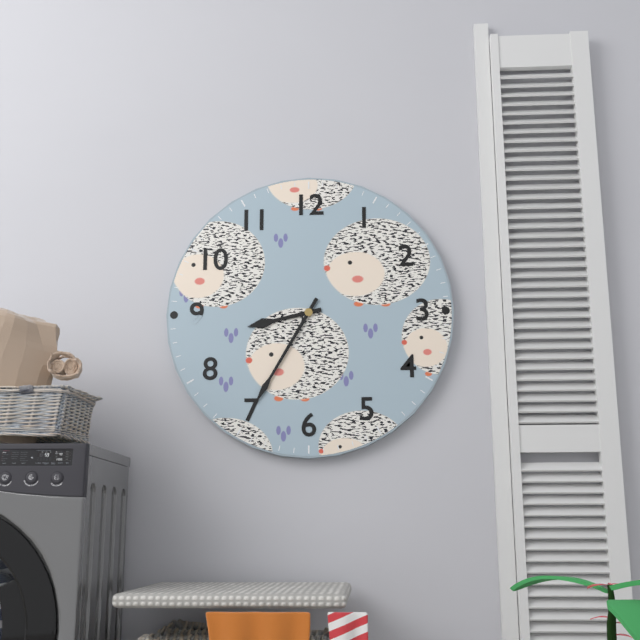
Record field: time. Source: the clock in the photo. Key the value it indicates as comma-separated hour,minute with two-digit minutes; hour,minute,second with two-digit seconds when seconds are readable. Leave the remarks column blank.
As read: 8,35
